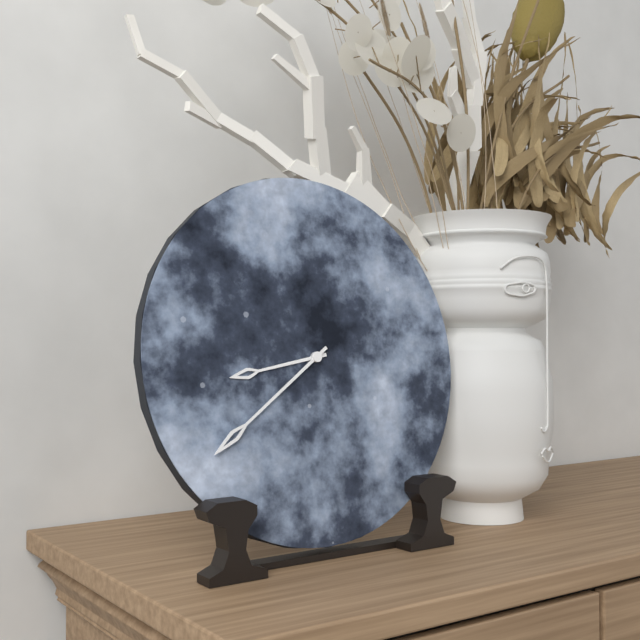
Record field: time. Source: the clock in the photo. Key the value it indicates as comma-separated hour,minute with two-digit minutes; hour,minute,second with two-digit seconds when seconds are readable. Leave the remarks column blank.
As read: 8,39
